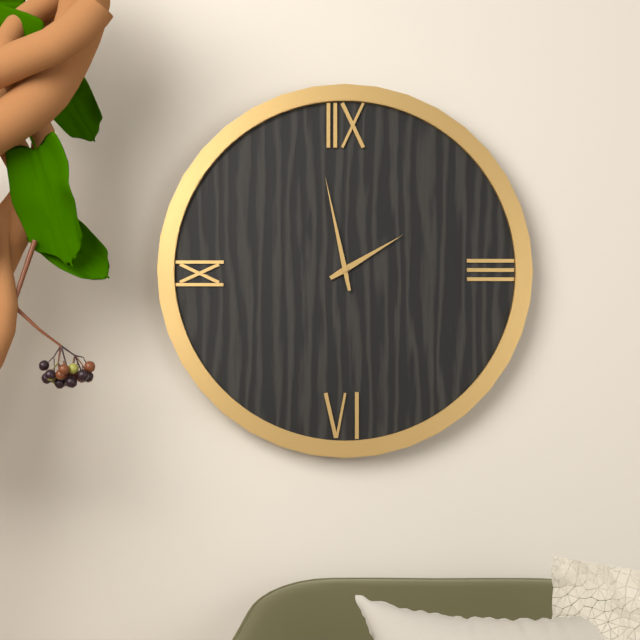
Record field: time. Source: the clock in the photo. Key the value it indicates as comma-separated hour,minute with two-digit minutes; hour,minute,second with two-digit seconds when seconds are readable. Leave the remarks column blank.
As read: 1,58
